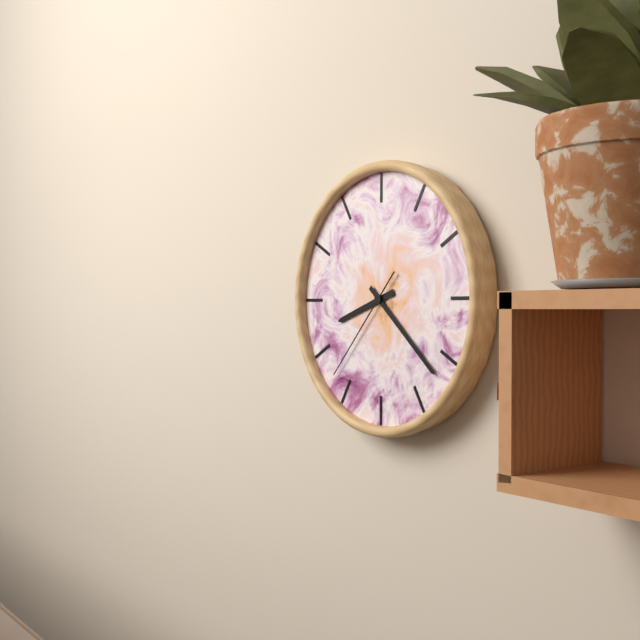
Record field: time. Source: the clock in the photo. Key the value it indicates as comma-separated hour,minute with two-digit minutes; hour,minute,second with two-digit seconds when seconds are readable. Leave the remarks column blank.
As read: 8,22,37
